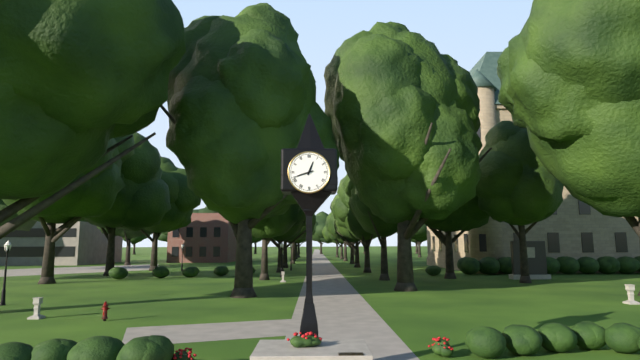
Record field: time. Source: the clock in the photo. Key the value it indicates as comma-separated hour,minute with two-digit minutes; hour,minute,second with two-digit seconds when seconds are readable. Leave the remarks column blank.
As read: 12,42
